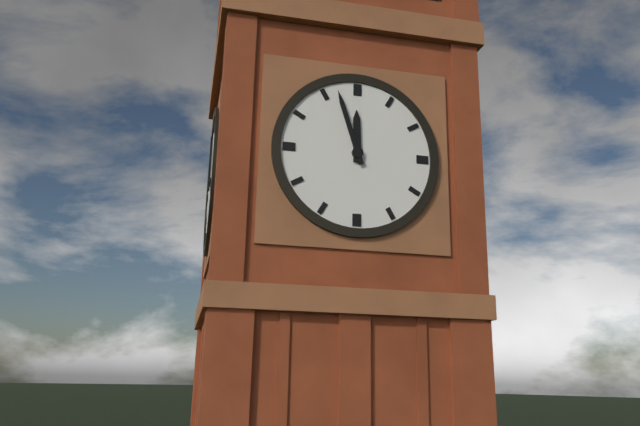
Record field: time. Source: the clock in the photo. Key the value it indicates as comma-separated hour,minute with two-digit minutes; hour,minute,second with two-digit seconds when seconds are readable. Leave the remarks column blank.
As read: 11,57
